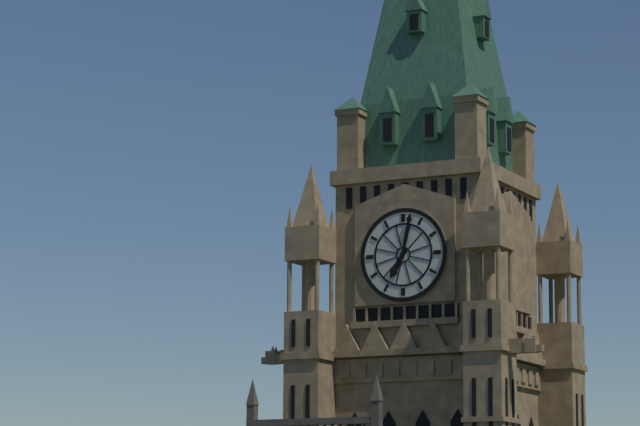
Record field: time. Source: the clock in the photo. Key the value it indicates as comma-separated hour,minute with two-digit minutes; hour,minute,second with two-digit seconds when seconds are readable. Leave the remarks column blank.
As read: 7,02
